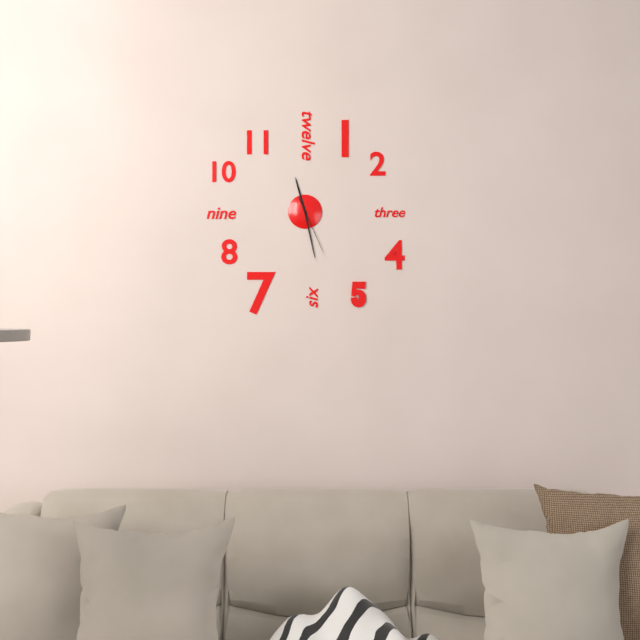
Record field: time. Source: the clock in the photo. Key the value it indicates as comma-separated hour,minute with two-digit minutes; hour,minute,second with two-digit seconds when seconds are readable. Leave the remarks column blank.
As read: 11,28,26
